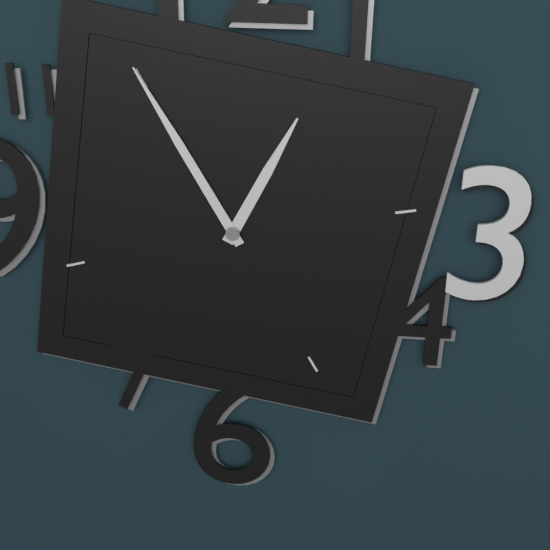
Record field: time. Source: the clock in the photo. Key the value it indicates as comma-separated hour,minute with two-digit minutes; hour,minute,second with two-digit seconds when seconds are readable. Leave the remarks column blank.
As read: 12,55
